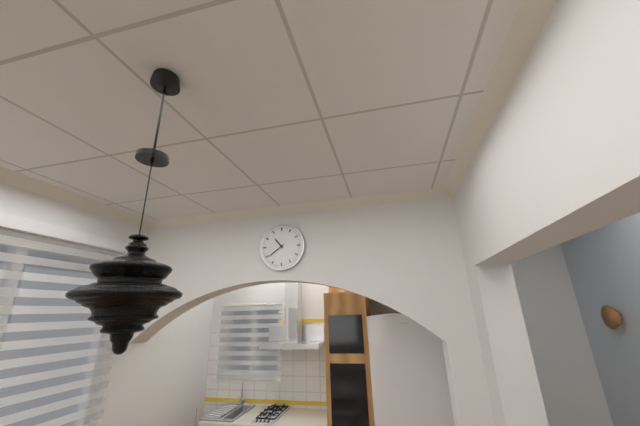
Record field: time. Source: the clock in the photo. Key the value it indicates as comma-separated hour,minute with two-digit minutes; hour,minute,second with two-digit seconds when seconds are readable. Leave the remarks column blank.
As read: 10,39
